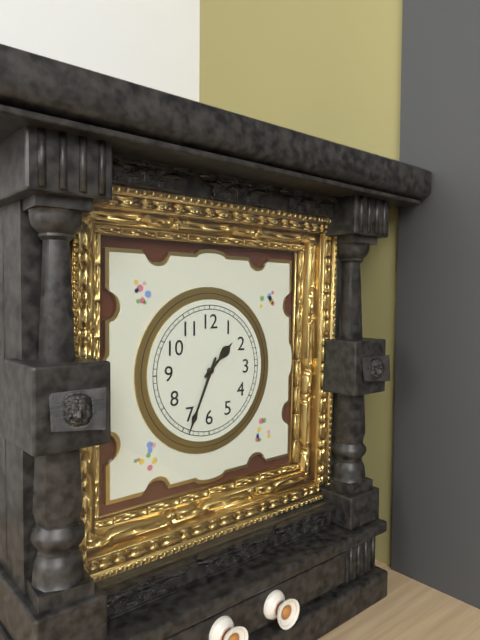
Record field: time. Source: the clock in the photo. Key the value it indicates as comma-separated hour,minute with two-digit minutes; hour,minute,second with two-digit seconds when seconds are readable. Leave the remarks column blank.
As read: 1,34
